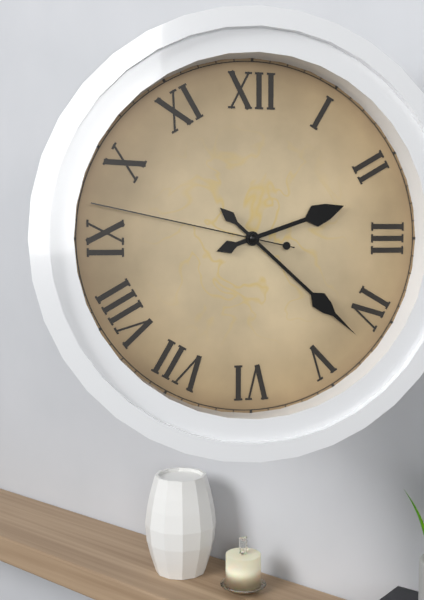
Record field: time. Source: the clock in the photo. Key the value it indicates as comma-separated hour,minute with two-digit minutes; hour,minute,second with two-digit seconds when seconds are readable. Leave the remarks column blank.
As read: 2,22,47
